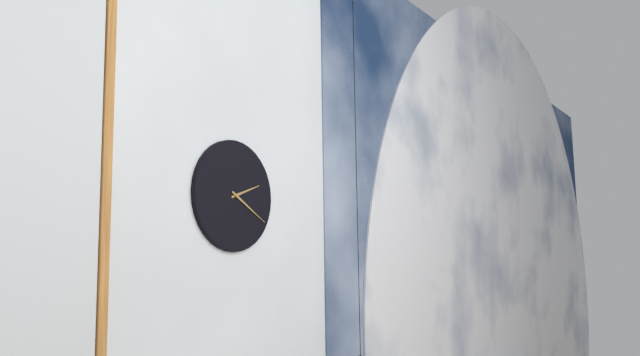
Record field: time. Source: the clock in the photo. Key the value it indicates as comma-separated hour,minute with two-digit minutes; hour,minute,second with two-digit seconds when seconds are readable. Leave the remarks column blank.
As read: 2,20
